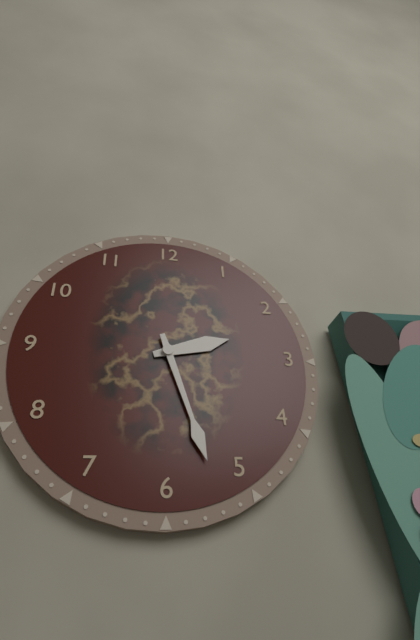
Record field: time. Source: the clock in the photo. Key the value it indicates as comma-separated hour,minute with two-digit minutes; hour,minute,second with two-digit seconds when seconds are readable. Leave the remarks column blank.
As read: 2,27
